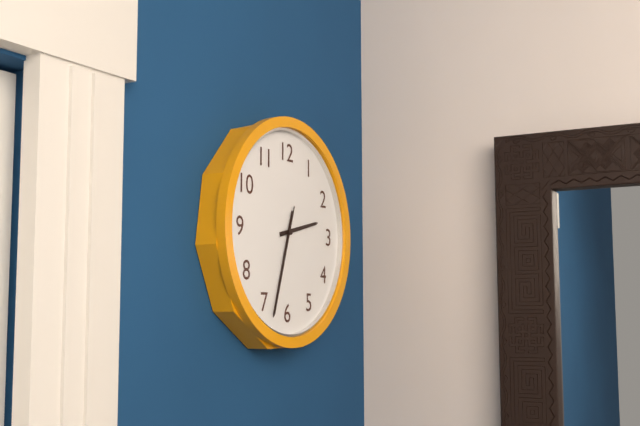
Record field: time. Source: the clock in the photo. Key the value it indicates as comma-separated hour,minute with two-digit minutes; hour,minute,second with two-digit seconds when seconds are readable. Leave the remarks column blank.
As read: 2,33,33
